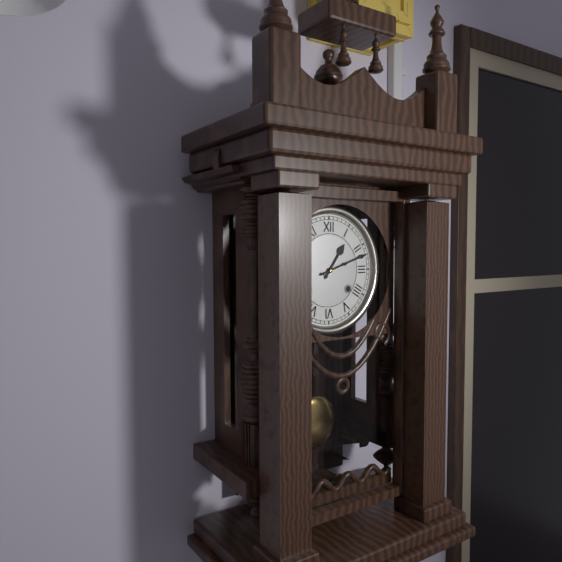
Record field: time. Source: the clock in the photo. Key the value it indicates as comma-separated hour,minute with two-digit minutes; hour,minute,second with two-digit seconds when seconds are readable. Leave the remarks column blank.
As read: 1,12
